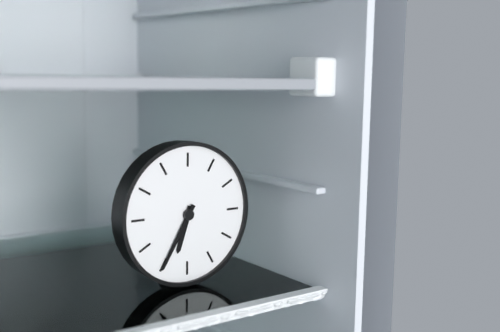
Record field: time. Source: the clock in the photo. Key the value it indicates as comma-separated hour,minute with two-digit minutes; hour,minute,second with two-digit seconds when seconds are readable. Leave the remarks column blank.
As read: 6,35
